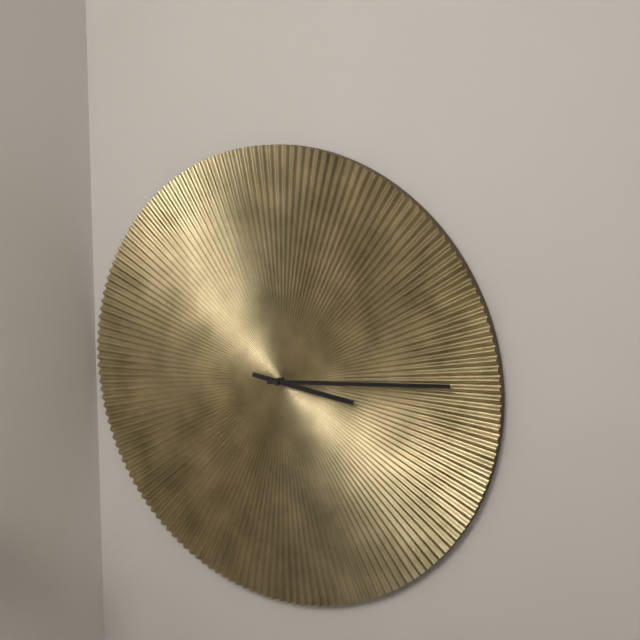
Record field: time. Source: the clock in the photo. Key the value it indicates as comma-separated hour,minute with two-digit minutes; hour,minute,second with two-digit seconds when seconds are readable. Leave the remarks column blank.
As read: 3,14
